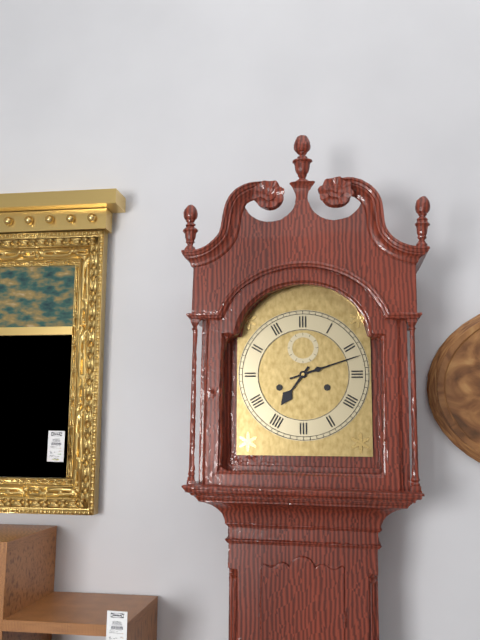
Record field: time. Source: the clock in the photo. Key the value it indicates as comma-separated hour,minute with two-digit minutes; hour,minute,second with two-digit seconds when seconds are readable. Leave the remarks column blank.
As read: 7,12
